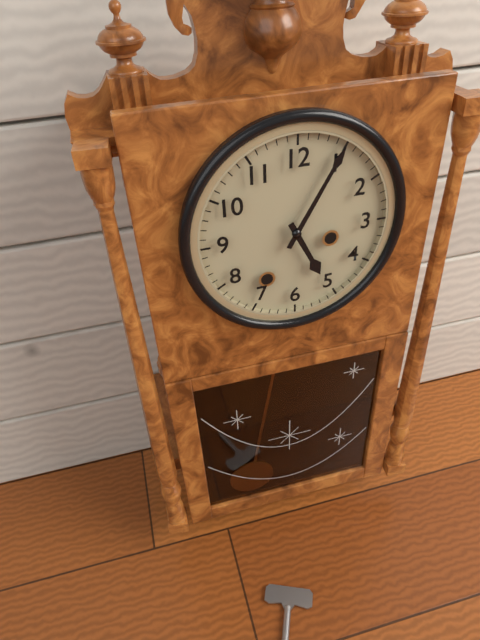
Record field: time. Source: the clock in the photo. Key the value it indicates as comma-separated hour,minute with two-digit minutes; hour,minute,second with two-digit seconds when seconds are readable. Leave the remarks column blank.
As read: 5,05
